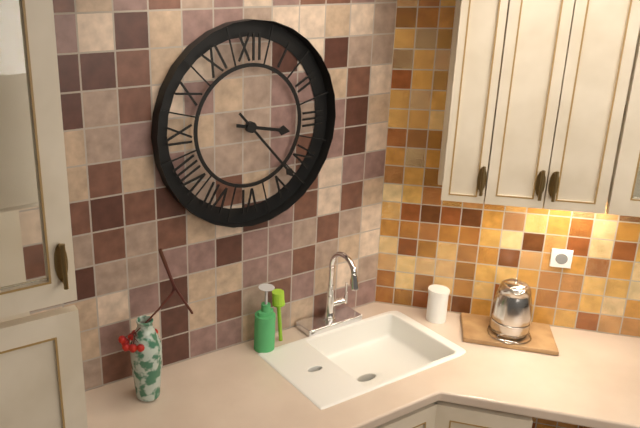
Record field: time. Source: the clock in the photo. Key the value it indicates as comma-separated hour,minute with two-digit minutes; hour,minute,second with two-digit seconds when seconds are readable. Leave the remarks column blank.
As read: 3,23
